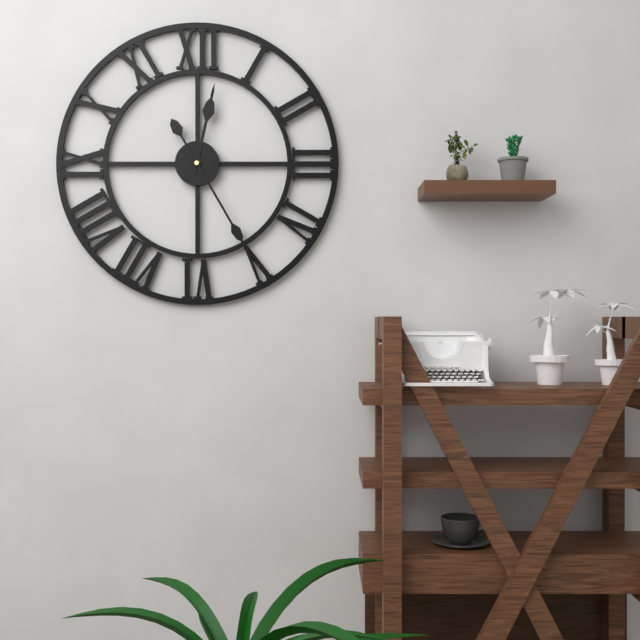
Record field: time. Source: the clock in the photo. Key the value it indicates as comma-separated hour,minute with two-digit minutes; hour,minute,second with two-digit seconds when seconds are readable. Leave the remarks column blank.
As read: 12,25
